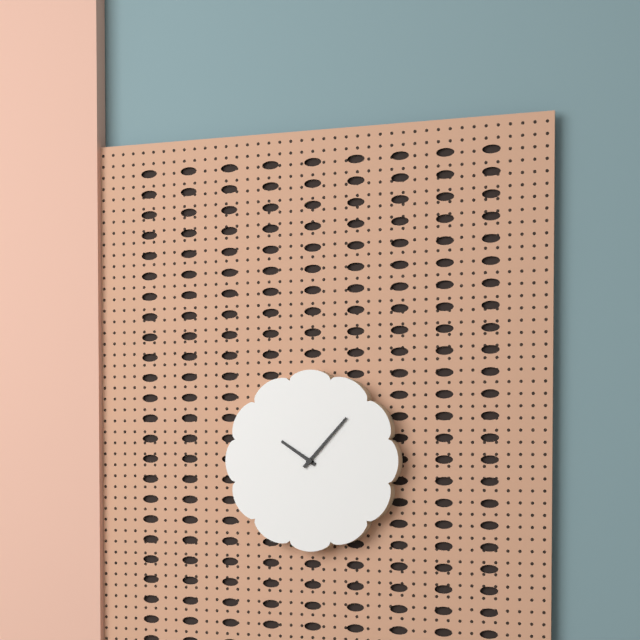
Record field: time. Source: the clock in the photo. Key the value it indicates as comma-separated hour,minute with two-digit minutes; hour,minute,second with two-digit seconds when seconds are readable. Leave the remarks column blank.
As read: 10,07
